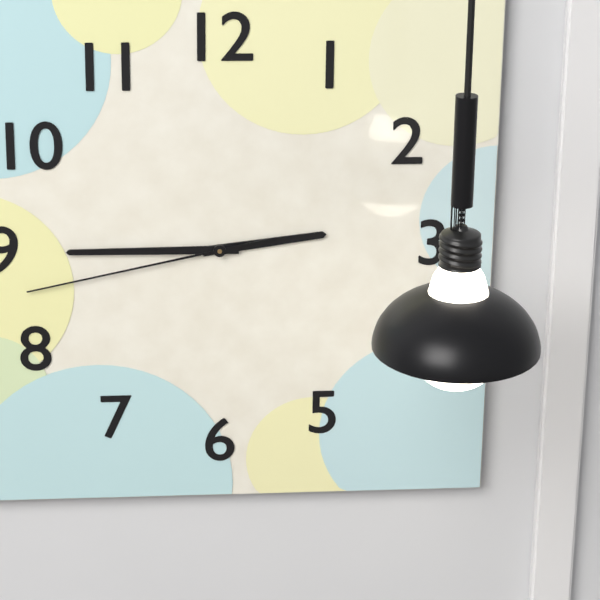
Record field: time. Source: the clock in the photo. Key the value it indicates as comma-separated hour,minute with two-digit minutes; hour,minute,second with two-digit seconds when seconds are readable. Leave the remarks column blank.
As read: 2,45,43
